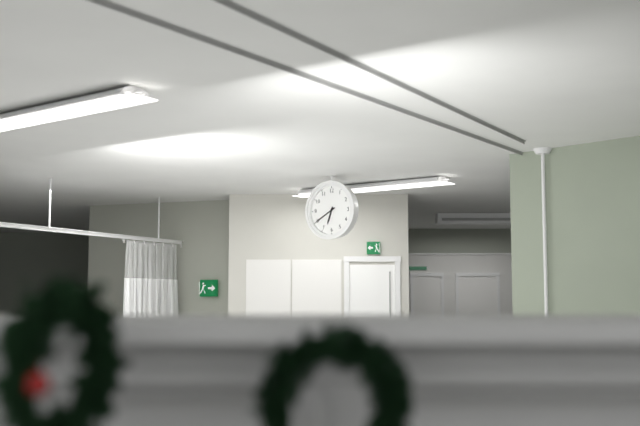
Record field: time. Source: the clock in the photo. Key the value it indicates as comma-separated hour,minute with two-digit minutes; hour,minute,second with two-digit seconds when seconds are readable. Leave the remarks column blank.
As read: 6,40
